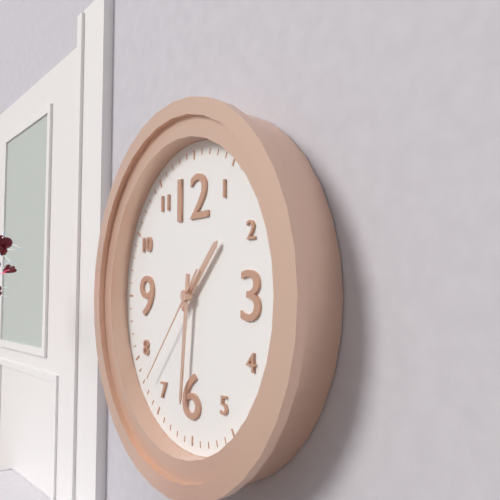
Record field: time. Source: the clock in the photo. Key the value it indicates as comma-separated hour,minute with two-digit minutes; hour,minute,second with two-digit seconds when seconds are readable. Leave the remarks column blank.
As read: 1,31,37
